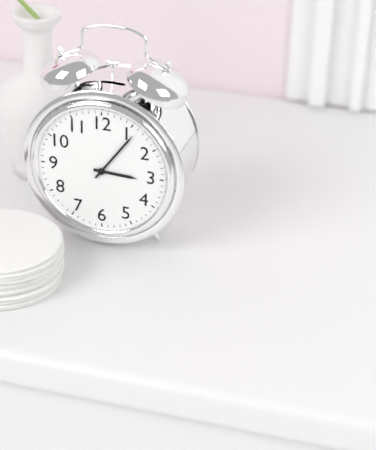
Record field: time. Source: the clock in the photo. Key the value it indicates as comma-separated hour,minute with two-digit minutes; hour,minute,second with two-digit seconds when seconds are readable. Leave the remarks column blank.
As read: 3,06
